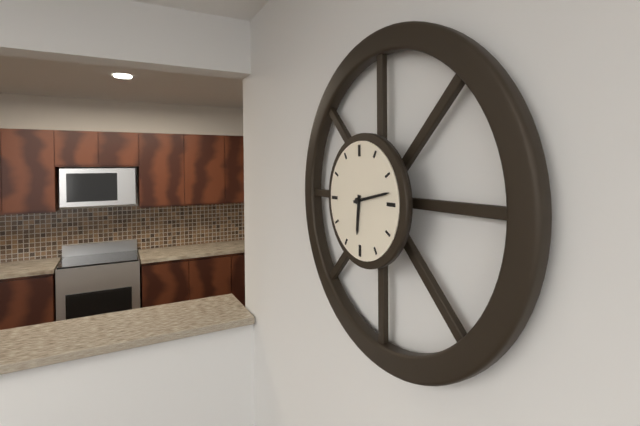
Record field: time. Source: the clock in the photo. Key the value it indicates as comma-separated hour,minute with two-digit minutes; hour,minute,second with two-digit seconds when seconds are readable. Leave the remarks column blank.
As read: 6,13
